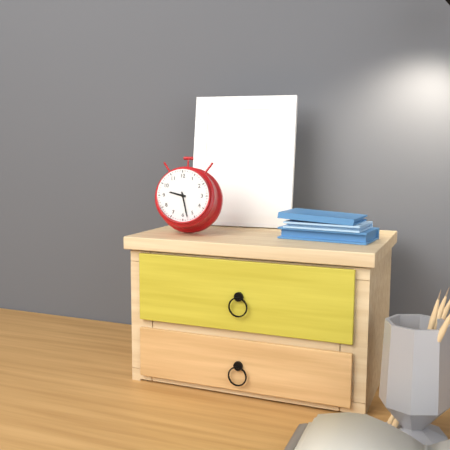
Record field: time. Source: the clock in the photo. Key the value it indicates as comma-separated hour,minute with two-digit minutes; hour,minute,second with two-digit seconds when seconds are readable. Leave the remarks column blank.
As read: 9,28
